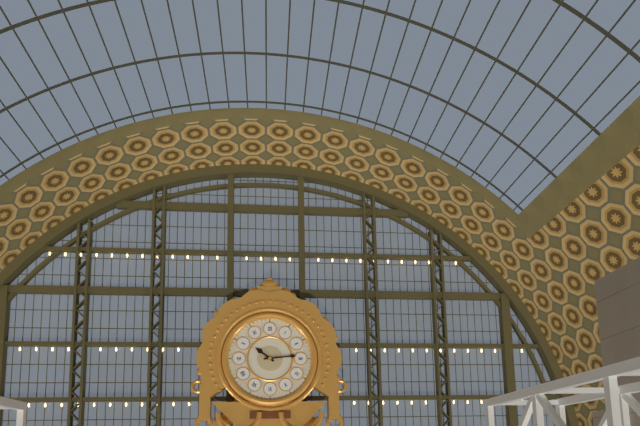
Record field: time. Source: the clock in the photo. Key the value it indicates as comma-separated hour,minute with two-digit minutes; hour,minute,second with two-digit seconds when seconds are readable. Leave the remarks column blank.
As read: 10,14
